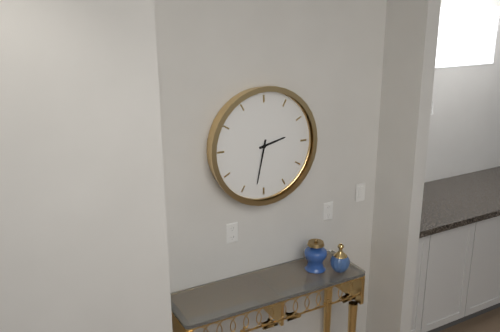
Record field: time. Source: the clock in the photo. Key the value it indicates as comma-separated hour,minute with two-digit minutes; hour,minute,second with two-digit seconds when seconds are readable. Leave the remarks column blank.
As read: 2,32
